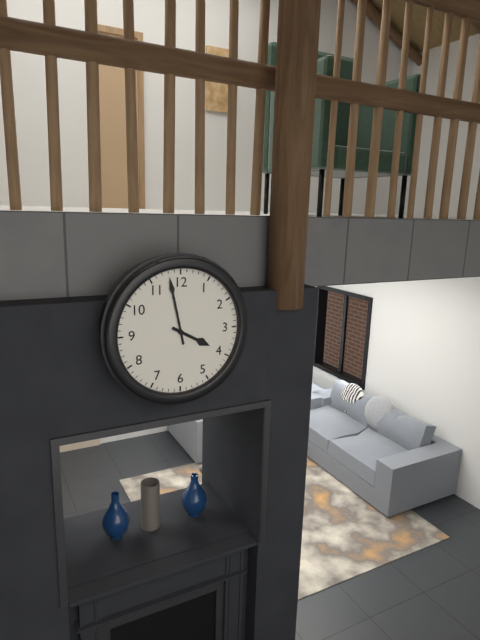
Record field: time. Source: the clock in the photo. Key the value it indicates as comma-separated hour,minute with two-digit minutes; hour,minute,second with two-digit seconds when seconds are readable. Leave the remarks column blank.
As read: 3,58
